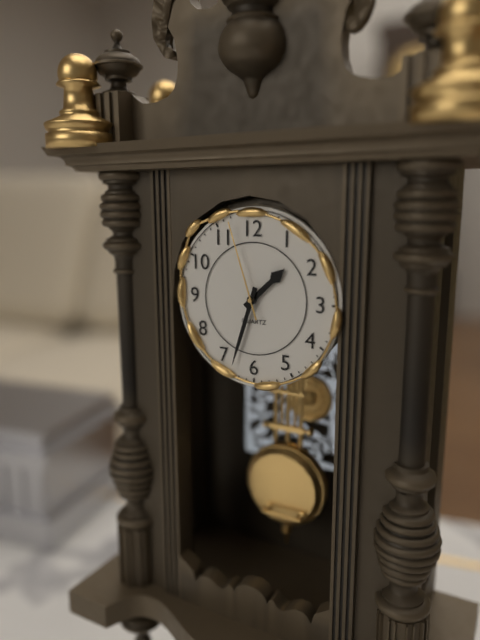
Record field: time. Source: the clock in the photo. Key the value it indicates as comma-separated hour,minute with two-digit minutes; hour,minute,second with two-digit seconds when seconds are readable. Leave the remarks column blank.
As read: 1,33,57
